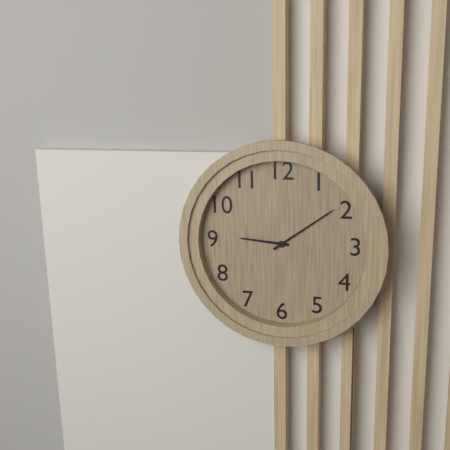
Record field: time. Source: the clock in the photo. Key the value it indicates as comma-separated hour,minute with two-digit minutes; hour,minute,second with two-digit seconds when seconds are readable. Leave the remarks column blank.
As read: 9,09
